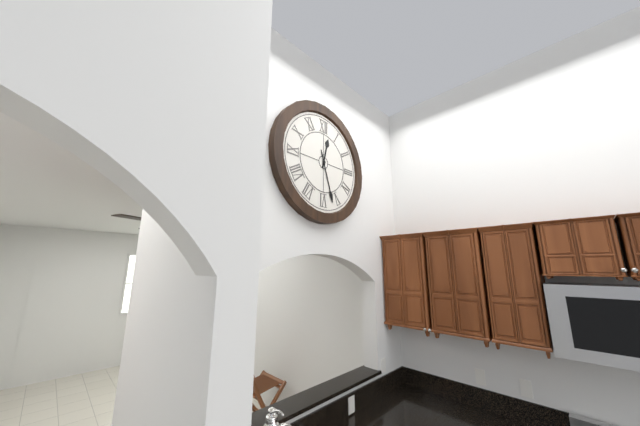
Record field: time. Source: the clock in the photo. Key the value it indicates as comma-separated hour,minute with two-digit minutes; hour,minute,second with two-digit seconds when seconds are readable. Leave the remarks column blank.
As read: 12,27
